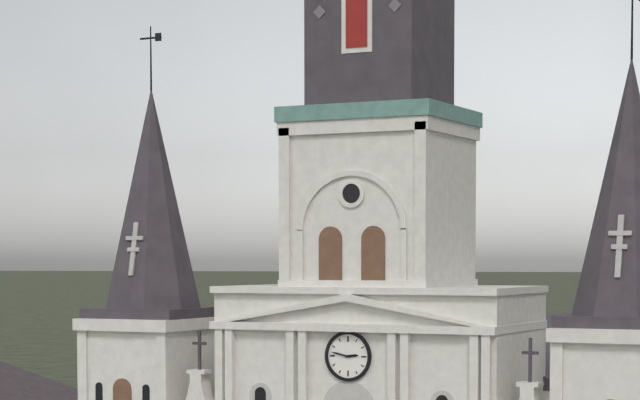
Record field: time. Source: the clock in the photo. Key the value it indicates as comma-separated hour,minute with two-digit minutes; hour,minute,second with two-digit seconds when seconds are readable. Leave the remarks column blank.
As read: 2,47
